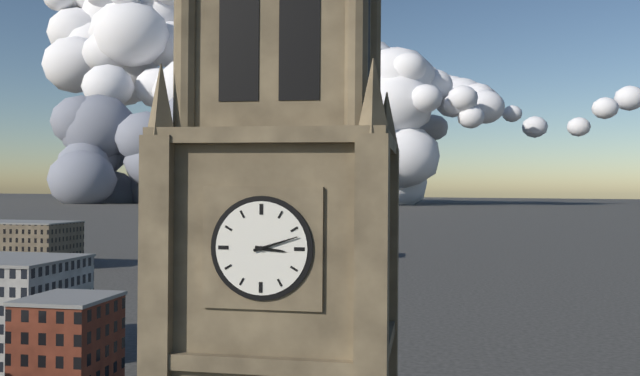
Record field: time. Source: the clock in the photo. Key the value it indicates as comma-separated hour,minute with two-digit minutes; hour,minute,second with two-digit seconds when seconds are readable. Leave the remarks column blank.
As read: 3,12
